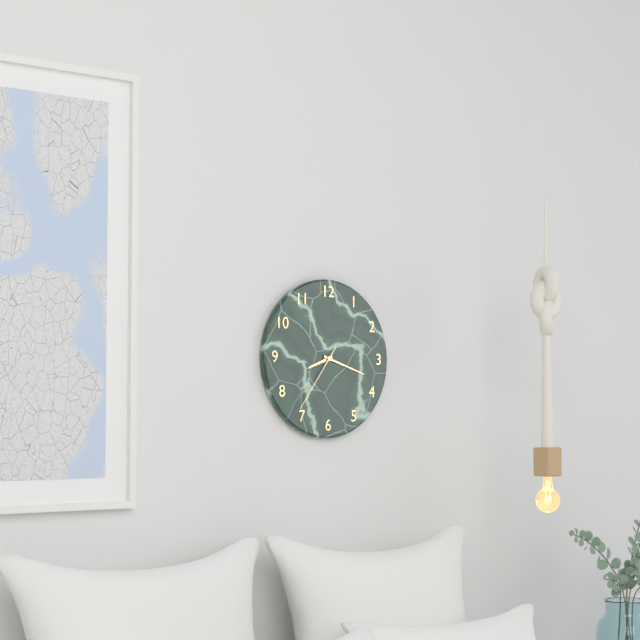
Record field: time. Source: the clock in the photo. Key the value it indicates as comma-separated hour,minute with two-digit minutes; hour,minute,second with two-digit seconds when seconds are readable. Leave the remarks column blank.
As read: 8,18,36
